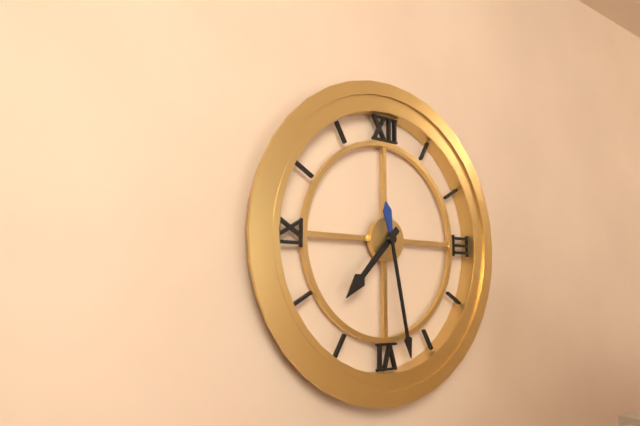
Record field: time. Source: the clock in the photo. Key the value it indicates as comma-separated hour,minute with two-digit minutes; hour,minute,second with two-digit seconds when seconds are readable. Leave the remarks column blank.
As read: 7,28
